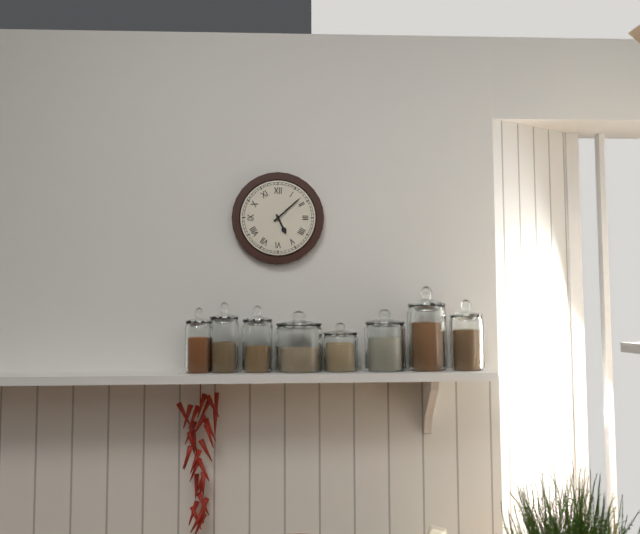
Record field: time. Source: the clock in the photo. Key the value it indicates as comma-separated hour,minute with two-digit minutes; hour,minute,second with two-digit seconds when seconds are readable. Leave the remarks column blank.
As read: 5,08
